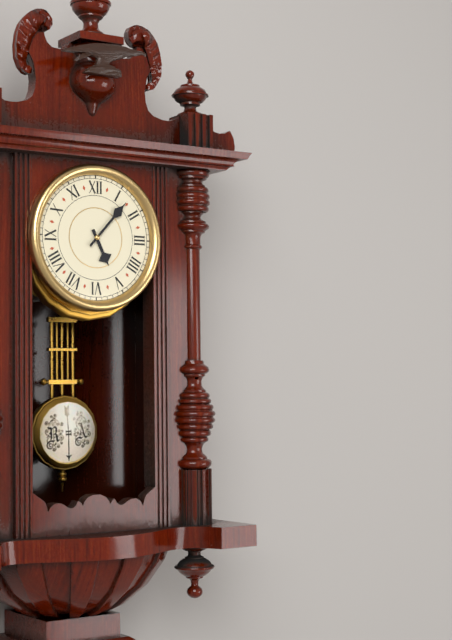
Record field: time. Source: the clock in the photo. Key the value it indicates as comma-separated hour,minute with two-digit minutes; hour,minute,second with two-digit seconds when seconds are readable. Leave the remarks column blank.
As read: 5,07
